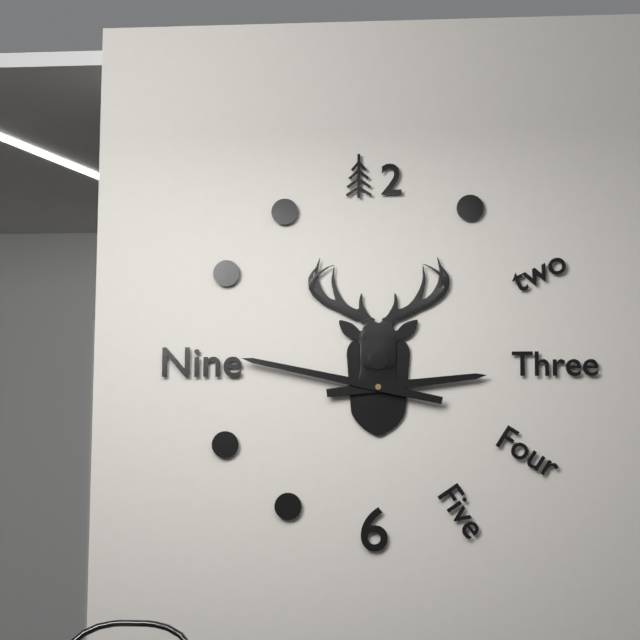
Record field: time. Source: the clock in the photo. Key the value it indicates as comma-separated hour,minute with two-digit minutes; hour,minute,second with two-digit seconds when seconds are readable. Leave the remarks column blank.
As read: 2,47
